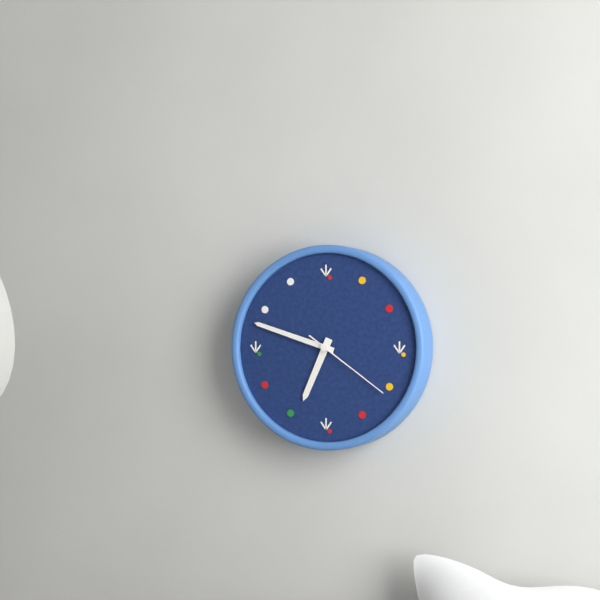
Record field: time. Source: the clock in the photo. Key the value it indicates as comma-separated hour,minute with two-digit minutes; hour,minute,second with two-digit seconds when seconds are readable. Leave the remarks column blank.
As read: 6,48,21
